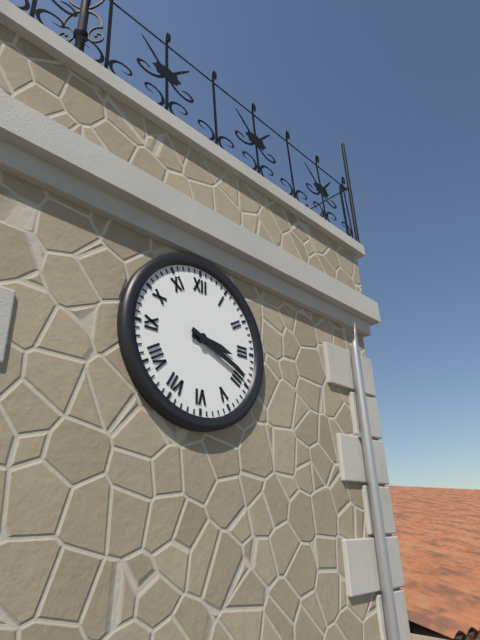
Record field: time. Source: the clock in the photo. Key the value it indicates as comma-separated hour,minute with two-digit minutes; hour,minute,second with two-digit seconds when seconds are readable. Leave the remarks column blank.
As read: 3,19
